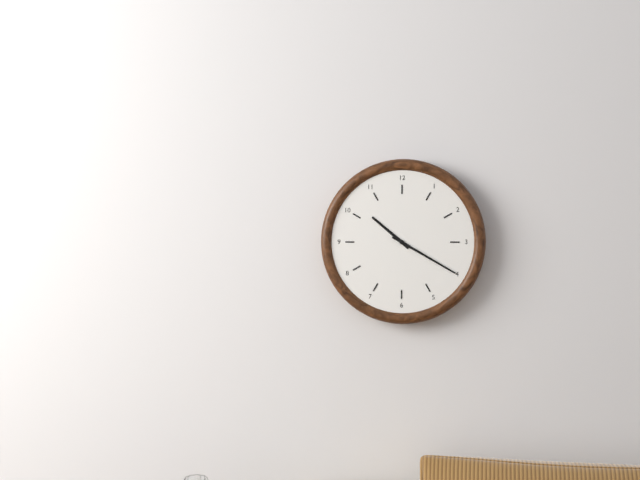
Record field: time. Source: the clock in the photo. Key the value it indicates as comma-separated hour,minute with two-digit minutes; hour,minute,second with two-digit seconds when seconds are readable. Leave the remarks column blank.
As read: 10,20
